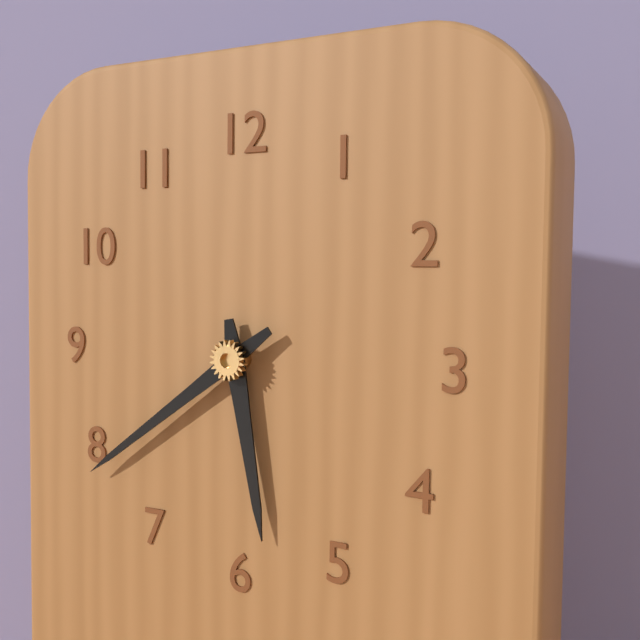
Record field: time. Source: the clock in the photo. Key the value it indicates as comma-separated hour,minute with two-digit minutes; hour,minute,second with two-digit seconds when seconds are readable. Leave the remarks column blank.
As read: 5,39
